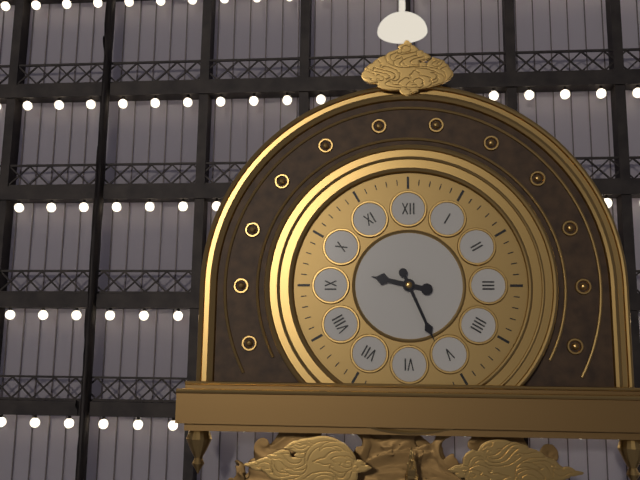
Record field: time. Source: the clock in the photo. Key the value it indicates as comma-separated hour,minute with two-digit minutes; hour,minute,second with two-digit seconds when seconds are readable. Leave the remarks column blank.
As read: 9,26
